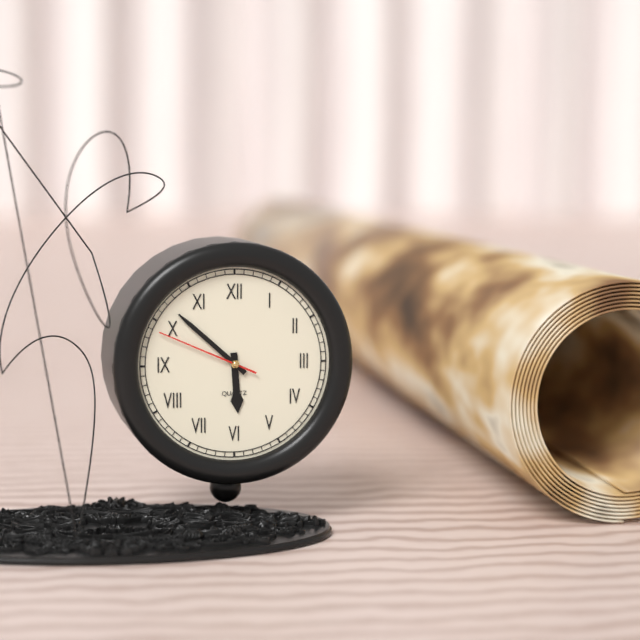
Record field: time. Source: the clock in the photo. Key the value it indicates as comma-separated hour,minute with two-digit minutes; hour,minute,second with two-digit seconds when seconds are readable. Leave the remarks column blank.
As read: 5,52,49
